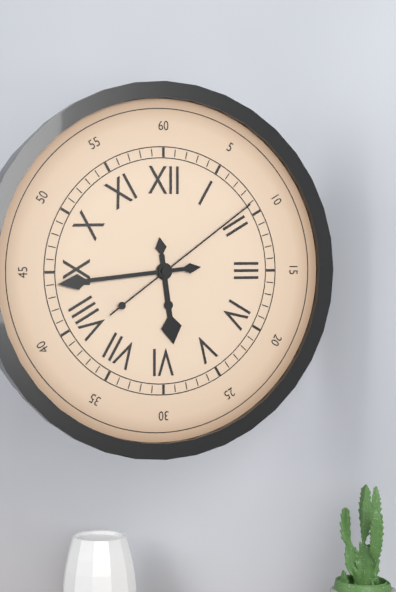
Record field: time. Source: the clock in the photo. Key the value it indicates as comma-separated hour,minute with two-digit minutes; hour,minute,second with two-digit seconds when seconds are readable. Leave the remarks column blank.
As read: 5,44,09
